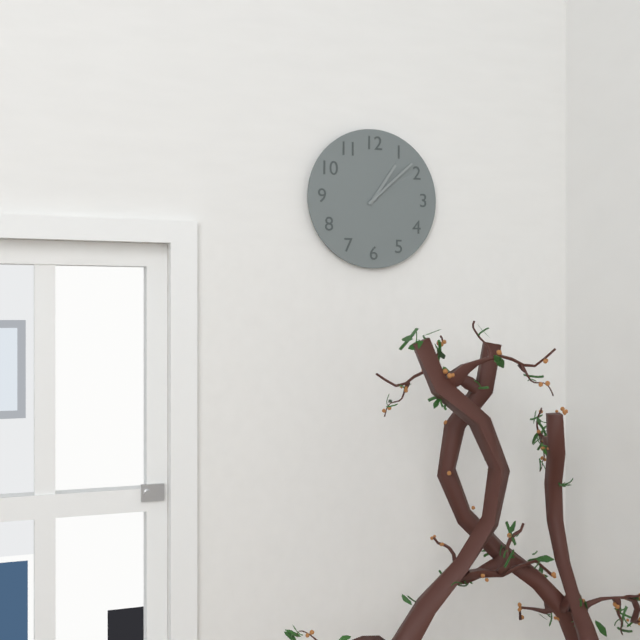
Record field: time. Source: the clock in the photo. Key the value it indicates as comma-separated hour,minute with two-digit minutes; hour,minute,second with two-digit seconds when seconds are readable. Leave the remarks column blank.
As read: 1,08
